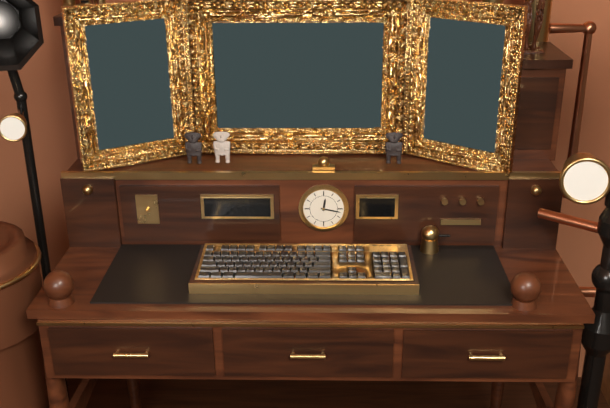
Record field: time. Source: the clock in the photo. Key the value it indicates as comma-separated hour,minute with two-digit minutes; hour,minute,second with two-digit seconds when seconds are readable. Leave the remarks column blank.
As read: 12,17
